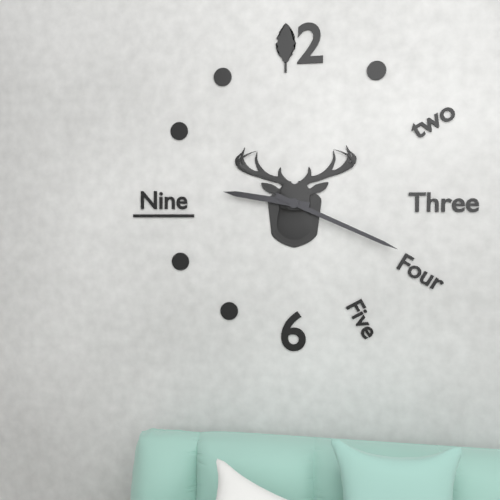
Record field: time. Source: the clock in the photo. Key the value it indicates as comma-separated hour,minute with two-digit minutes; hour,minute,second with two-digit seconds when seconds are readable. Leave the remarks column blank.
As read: 9,19
